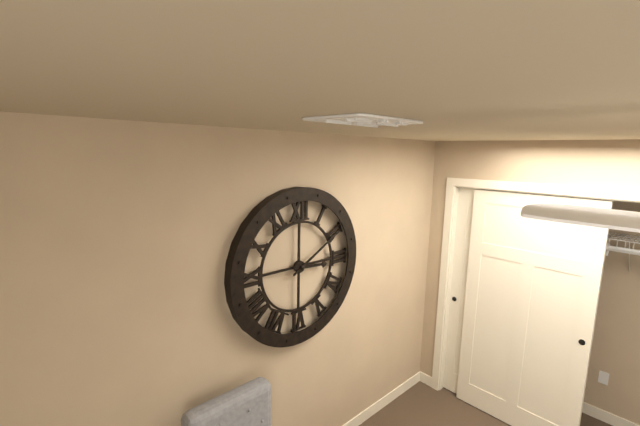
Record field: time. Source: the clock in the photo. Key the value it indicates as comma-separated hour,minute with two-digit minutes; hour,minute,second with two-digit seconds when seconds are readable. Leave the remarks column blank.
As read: 3,10
